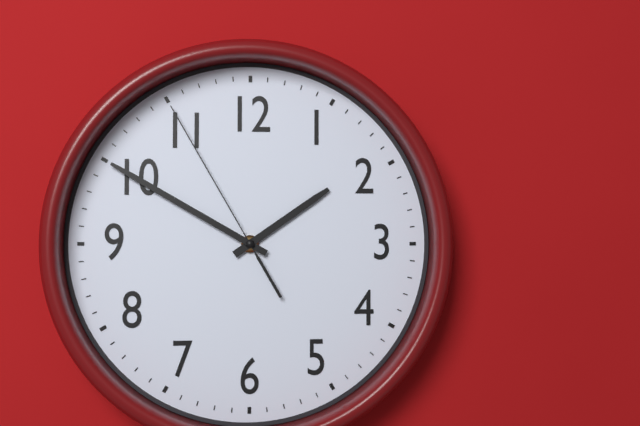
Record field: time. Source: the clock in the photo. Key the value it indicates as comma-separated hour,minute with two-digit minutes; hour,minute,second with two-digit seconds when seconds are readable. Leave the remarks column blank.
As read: 1,50,55
